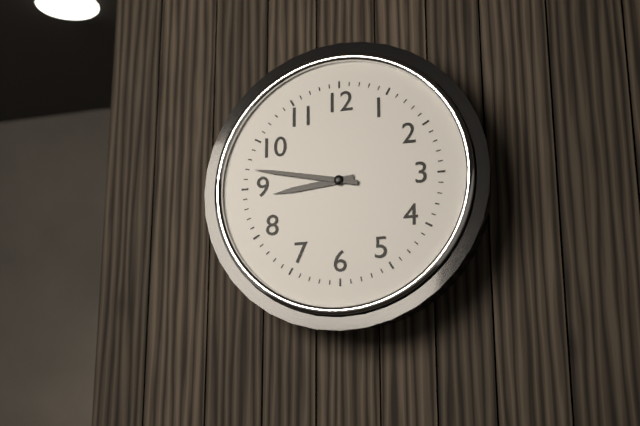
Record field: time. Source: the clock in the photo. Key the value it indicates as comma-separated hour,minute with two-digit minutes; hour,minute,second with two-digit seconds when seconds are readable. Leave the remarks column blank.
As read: 8,47
